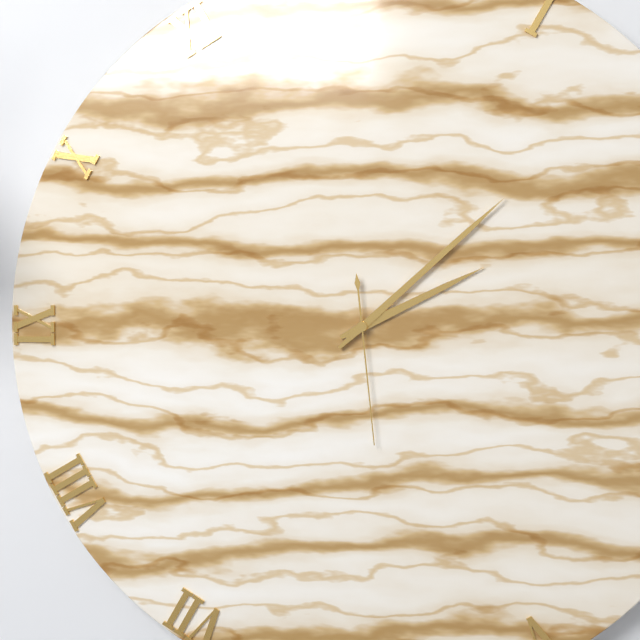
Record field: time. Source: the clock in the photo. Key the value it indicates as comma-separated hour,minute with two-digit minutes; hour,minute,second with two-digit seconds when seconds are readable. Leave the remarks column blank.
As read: 2,08,29
